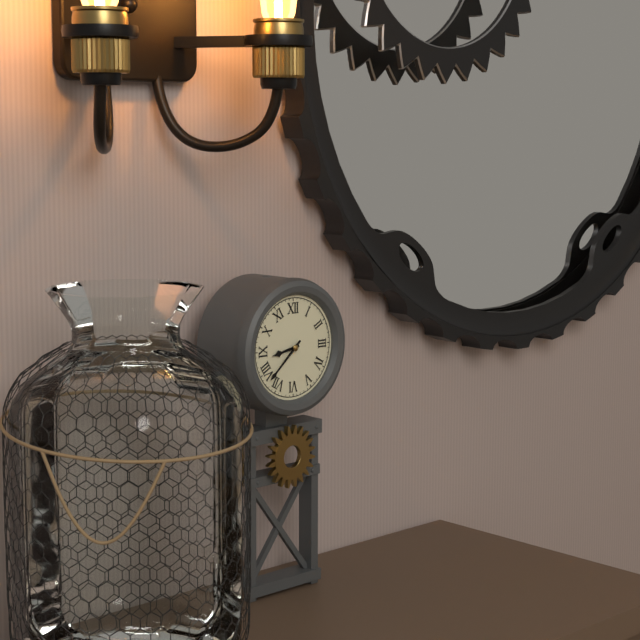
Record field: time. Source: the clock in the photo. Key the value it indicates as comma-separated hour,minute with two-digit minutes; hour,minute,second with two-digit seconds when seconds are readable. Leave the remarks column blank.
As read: 8,38
